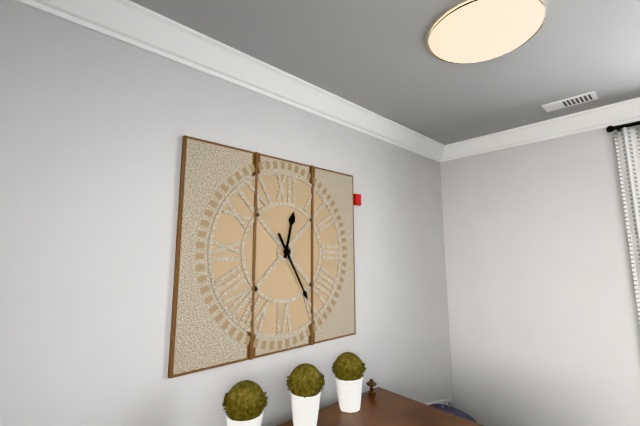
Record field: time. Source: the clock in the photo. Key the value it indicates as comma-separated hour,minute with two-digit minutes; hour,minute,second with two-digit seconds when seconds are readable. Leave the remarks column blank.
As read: 12,25
